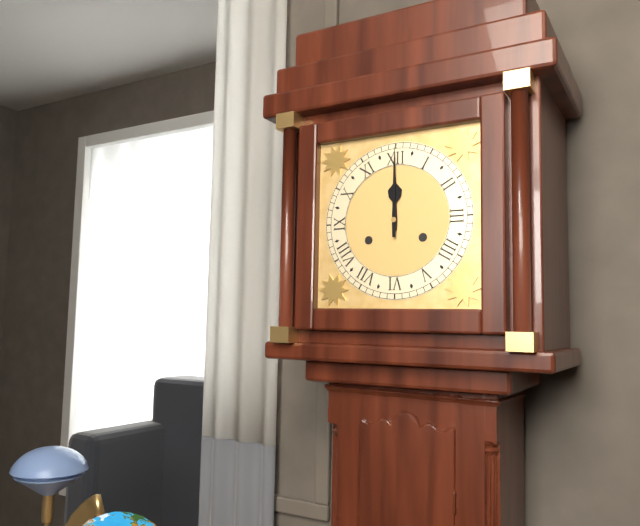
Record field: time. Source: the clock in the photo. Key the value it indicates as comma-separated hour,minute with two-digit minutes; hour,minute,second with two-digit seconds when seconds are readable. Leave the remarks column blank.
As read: 12,00
